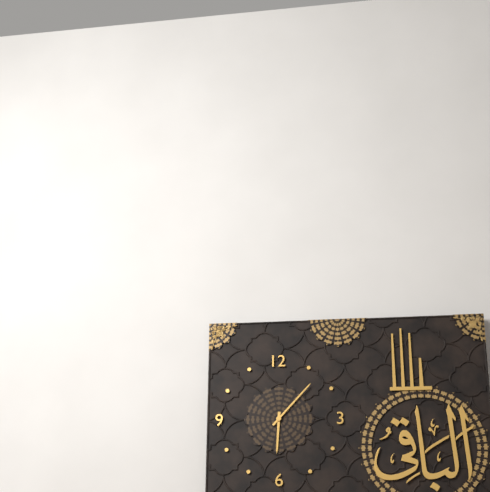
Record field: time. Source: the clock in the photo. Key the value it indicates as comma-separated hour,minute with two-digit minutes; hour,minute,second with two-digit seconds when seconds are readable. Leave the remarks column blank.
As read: 6,07
